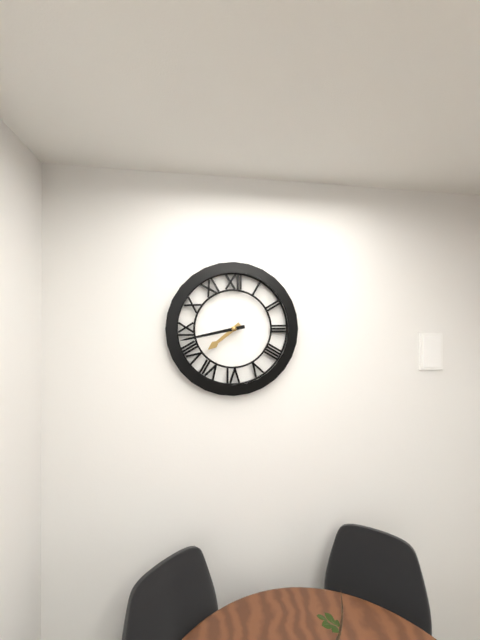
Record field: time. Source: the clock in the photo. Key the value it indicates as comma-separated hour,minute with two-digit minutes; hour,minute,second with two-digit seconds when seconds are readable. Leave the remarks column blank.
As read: 7,43
